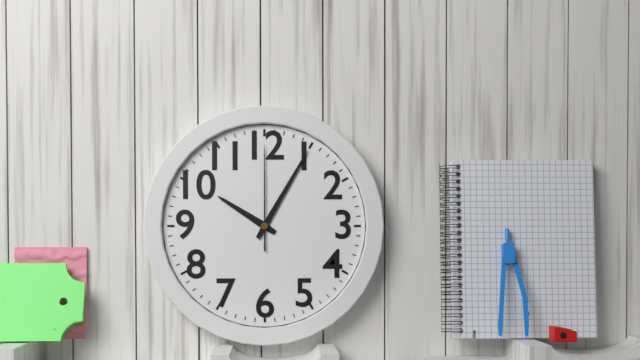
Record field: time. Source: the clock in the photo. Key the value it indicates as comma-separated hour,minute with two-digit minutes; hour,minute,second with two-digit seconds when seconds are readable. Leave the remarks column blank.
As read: 10,05,00
